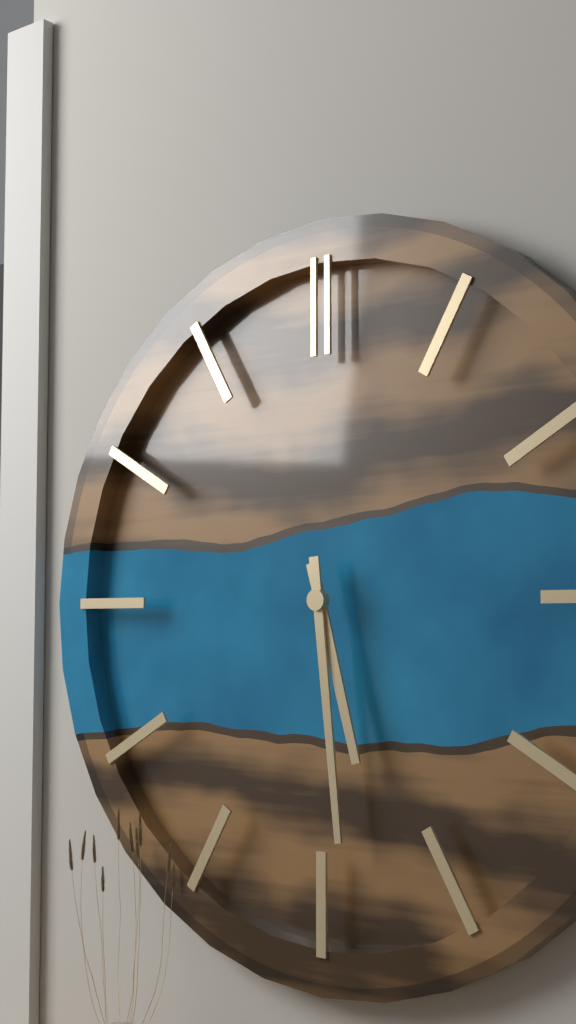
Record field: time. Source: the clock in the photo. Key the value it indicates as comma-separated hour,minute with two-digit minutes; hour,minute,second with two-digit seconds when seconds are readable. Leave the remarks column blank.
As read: 5,29
